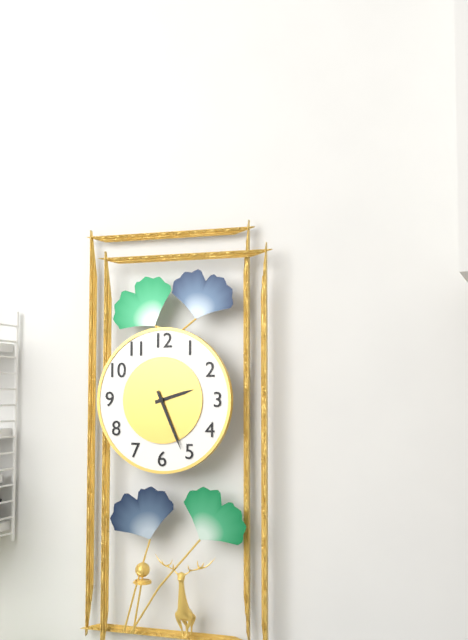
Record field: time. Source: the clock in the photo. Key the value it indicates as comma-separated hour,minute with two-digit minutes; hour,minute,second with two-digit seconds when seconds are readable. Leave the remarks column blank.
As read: 2,26
